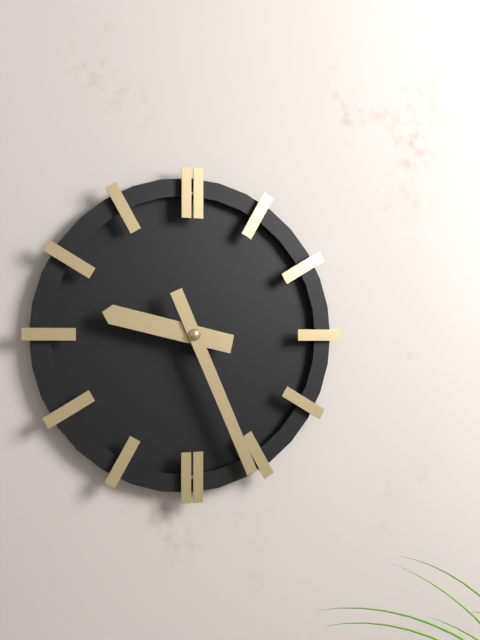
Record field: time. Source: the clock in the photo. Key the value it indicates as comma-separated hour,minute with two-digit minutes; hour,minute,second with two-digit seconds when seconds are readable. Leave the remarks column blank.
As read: 9,26
